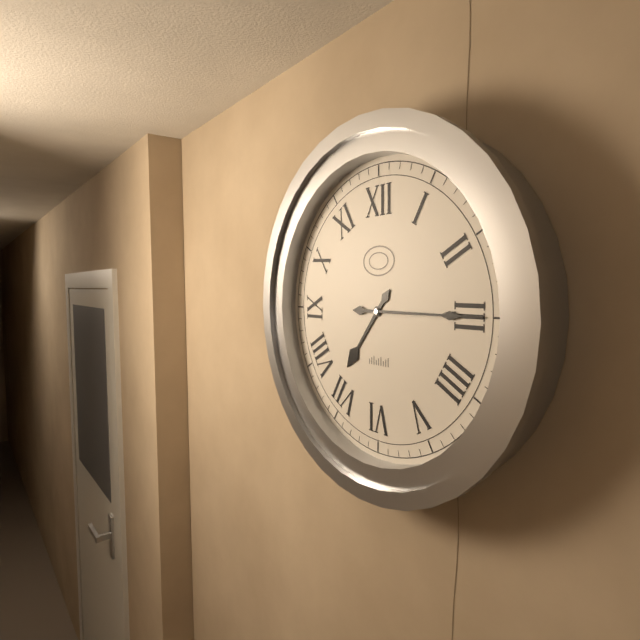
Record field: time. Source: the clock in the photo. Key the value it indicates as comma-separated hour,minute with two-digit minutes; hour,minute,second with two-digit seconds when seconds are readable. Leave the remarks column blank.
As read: 7,15
